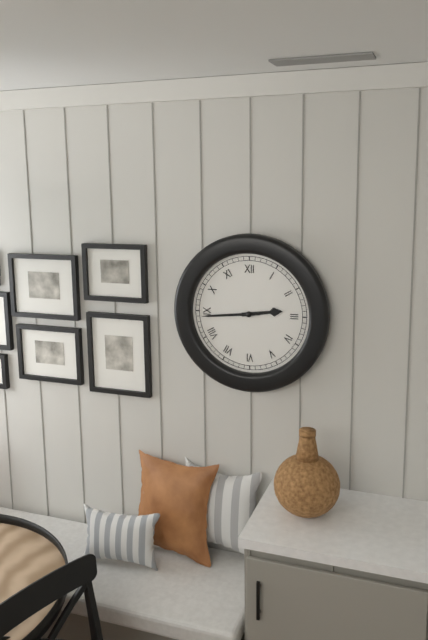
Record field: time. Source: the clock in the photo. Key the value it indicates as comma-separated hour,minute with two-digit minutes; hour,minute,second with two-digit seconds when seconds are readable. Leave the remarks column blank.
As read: 2,44
